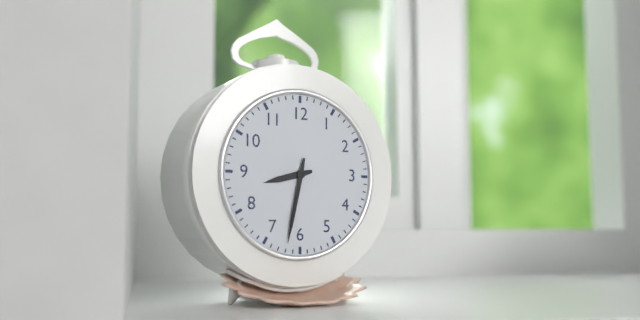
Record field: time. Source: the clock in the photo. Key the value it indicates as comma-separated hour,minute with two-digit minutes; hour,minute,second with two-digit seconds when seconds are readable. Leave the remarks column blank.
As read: 8,32
